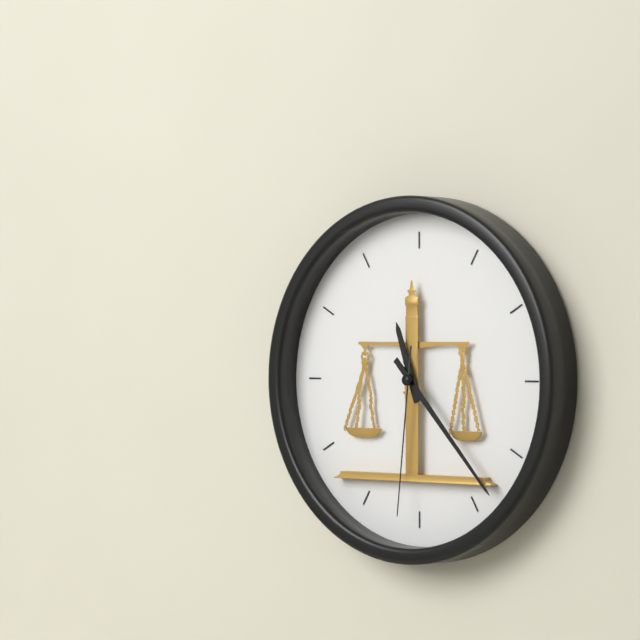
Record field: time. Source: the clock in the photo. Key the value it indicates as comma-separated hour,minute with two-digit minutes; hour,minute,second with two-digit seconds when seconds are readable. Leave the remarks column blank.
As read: 11,23,31
